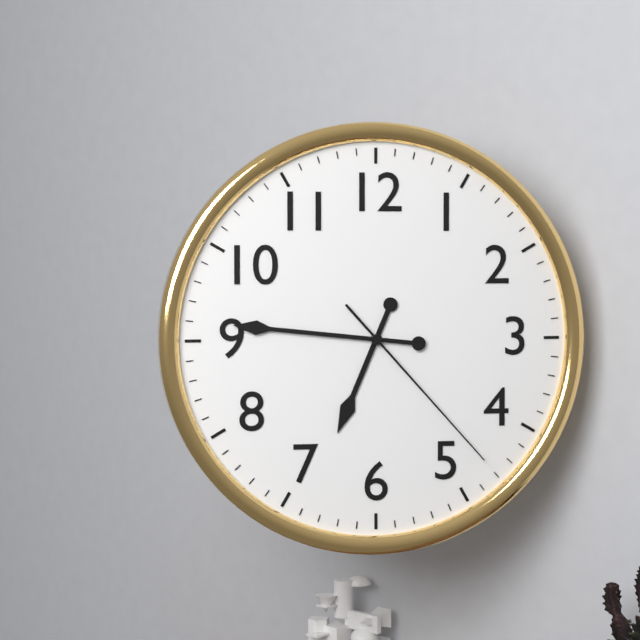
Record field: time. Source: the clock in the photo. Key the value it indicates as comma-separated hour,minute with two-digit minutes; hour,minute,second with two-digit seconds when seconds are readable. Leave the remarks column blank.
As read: 6,46,23
